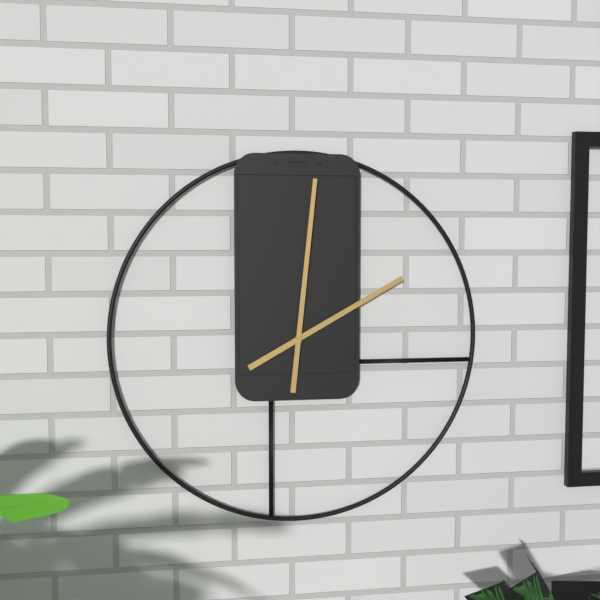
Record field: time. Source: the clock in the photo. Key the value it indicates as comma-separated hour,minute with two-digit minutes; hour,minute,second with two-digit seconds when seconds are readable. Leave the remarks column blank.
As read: 2,01
